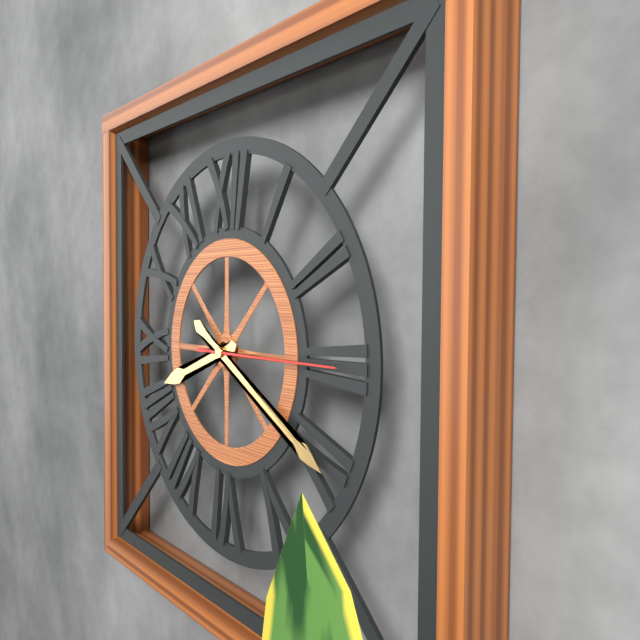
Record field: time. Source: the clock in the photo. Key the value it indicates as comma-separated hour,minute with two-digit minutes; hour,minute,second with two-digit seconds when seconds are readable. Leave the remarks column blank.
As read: 8,20,15
